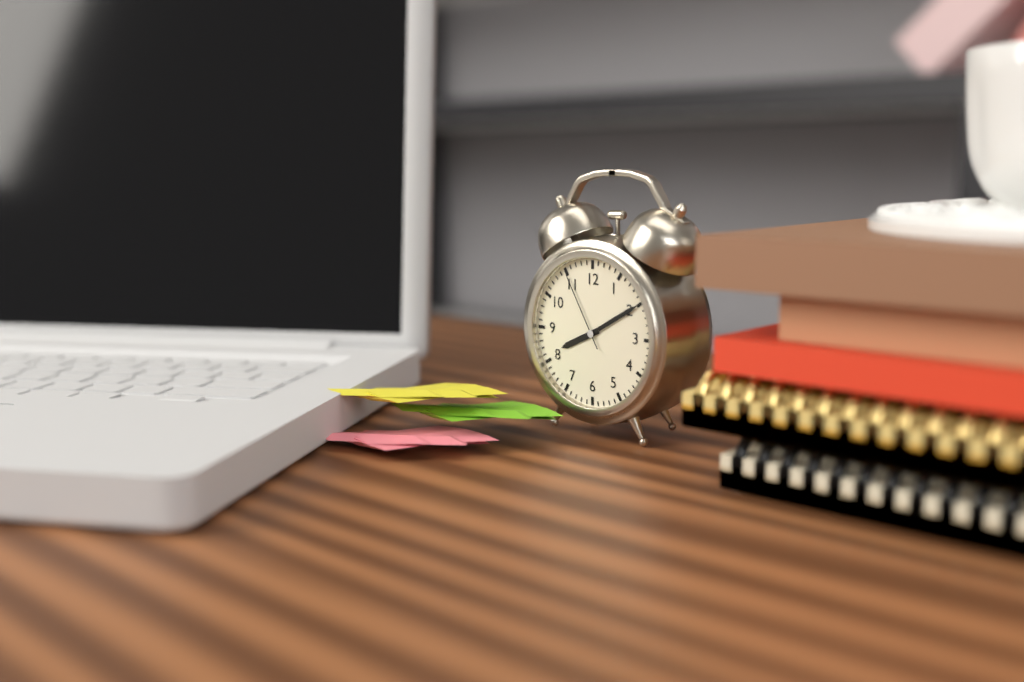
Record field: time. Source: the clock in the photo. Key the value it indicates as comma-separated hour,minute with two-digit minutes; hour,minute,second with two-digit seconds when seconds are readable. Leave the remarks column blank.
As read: 8,10,55
